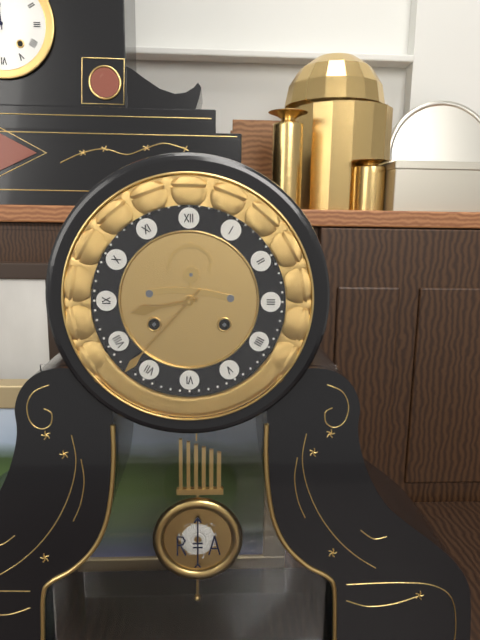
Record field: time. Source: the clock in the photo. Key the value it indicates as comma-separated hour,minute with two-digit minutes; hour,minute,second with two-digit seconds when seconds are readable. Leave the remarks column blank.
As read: 8,37
